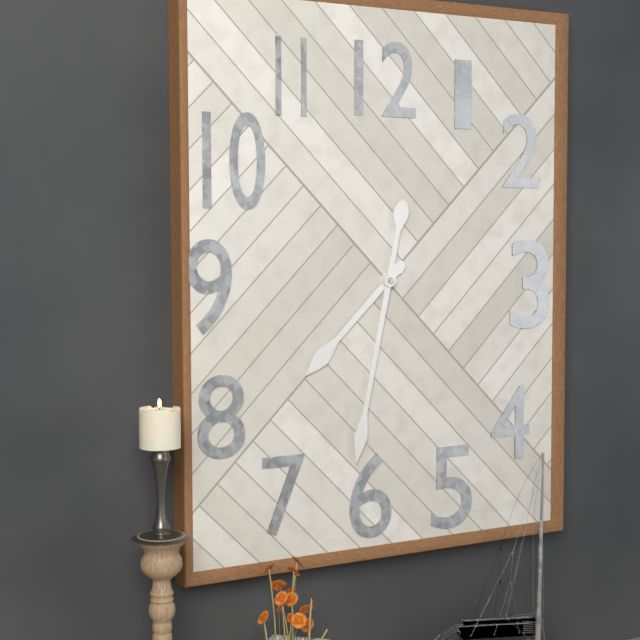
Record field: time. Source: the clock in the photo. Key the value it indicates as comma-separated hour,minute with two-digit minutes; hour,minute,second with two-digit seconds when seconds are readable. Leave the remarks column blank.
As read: 7,32
